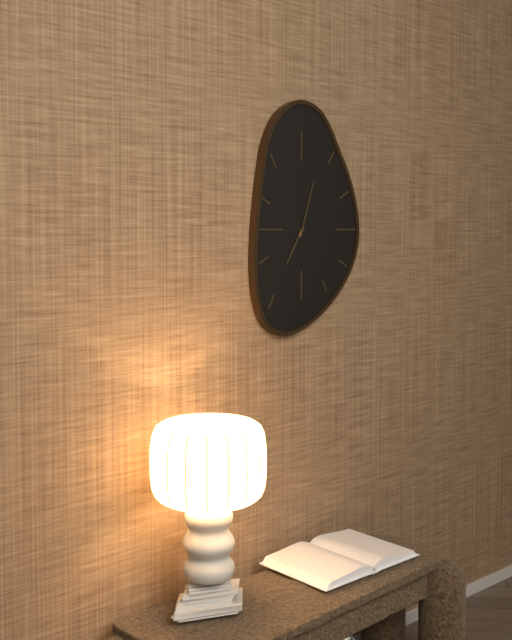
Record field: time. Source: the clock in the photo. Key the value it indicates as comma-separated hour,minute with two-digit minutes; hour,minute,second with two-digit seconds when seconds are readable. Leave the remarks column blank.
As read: 7,03
